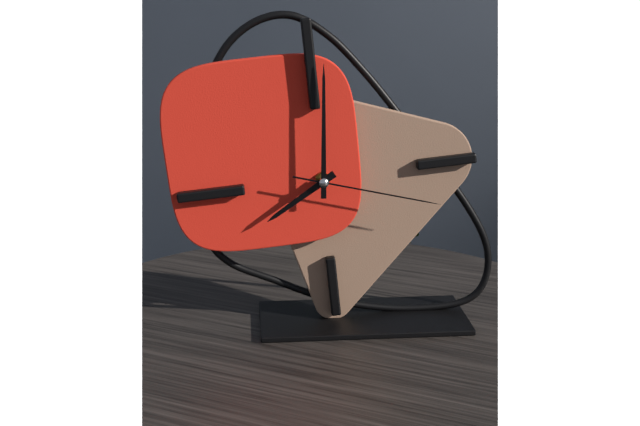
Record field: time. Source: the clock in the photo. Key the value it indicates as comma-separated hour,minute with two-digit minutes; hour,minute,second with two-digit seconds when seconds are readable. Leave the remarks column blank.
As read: 8,01,18
